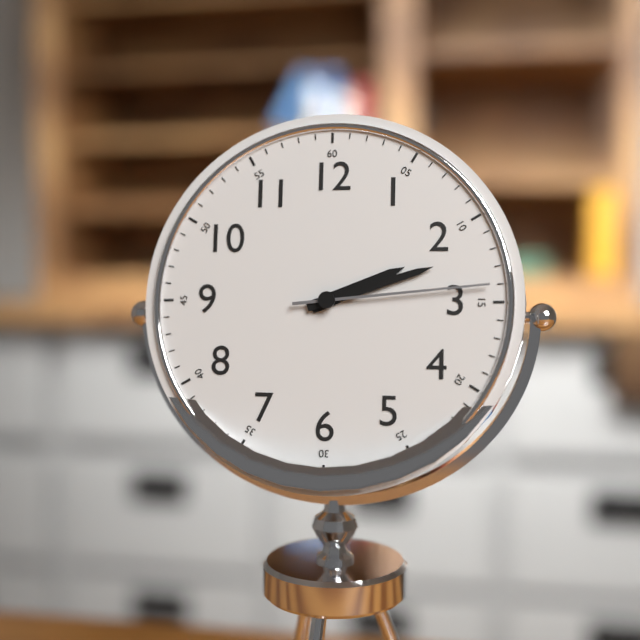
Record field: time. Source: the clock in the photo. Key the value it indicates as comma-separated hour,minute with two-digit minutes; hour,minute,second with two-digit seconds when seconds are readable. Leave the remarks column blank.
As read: 2,12,14
